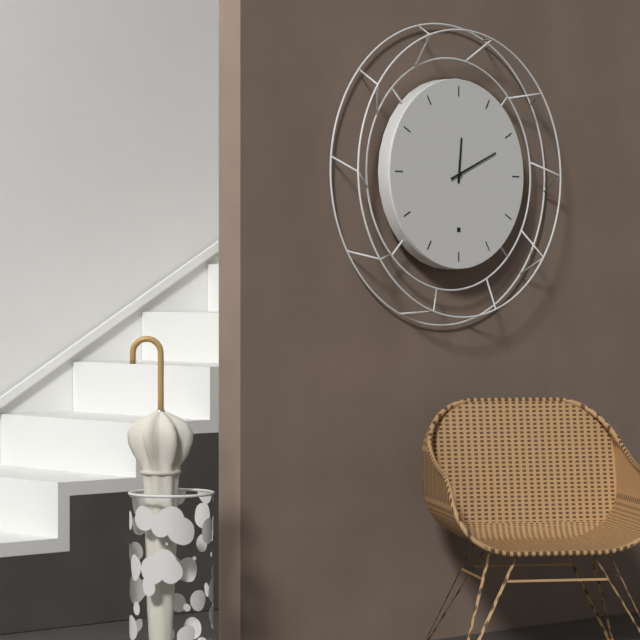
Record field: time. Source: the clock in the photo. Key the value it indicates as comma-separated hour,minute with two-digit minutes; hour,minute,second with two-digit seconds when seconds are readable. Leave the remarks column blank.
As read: 12,11
